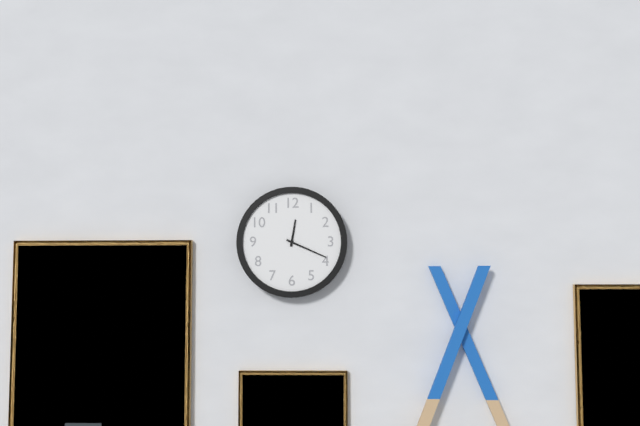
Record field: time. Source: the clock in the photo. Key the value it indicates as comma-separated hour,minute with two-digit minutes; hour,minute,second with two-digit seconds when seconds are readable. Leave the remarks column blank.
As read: 12,19
